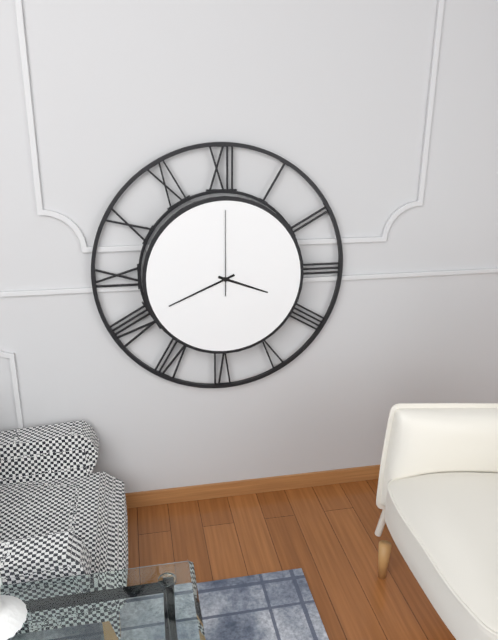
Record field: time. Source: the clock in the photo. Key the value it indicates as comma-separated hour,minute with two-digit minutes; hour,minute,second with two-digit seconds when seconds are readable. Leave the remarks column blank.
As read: 3,41,00
